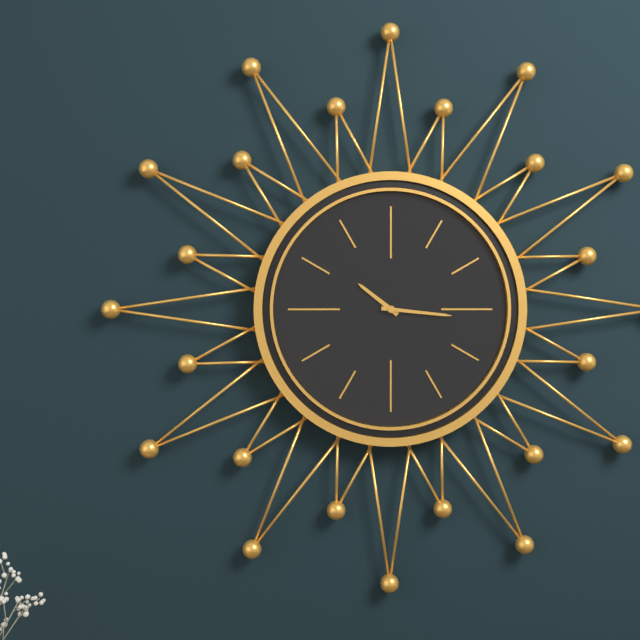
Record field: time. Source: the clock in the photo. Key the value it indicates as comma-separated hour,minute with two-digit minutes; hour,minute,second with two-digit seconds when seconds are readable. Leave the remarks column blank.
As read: 10,16
